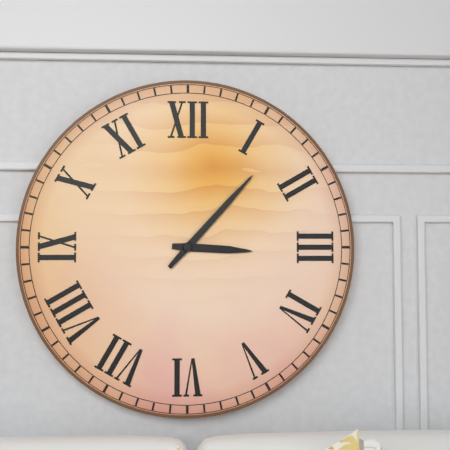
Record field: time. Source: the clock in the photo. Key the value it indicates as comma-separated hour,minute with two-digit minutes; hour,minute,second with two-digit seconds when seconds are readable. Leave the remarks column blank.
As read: 3,07
